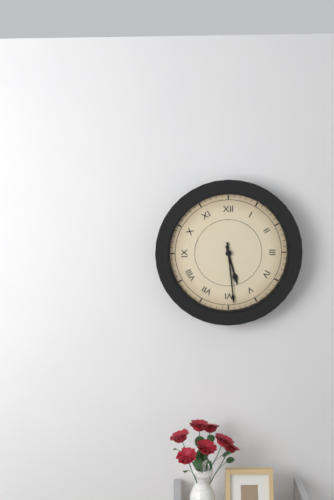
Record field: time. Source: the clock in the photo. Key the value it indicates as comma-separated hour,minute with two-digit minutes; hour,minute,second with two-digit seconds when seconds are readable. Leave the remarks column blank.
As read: 5,29
